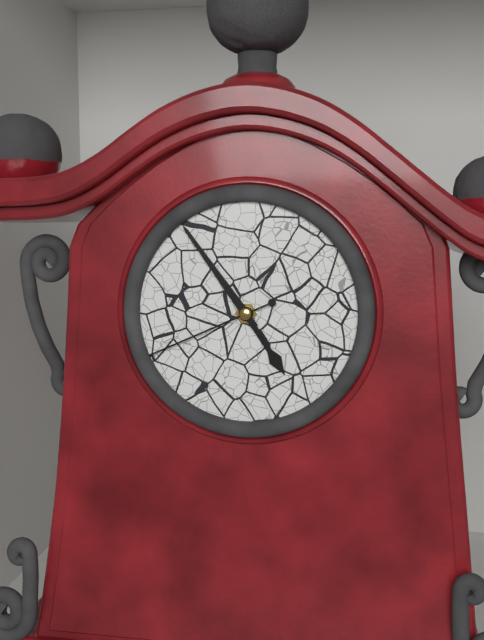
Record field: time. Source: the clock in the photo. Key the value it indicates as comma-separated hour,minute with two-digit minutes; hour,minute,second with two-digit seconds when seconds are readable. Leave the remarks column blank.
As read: 4,54,41
